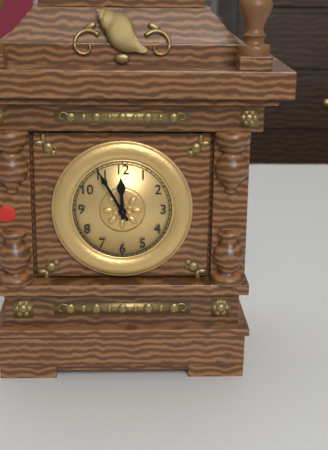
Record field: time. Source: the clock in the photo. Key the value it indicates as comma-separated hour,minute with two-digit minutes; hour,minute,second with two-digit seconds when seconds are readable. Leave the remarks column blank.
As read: 11,55
